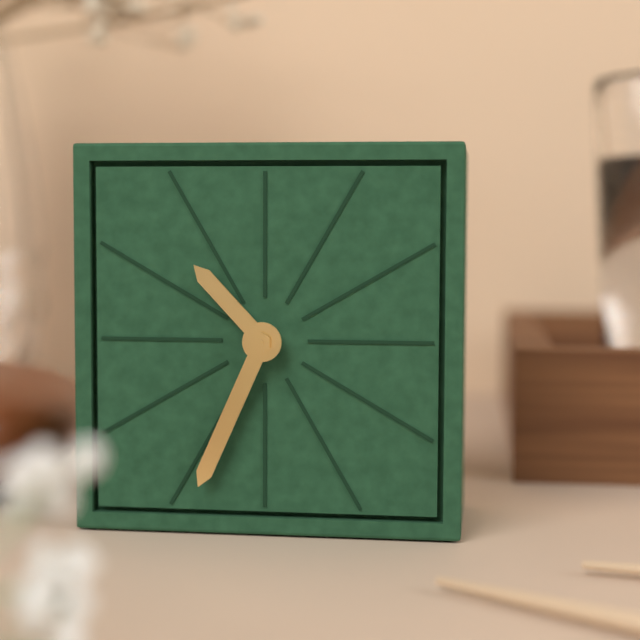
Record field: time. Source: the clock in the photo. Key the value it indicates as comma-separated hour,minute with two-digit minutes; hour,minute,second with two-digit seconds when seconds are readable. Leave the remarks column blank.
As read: 10,34
